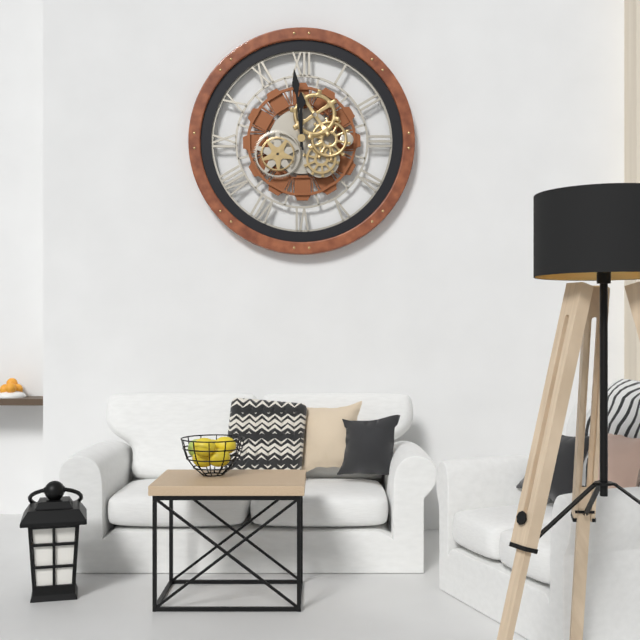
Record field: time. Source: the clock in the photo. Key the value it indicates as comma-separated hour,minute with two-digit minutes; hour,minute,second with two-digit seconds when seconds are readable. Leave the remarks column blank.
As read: 11,59
